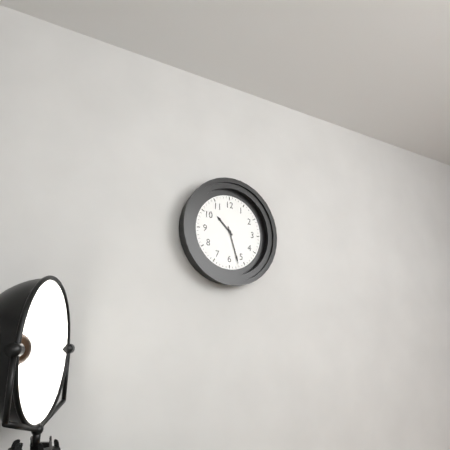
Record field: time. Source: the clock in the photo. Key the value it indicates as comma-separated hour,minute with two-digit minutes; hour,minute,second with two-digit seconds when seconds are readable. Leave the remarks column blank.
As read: 10,27
